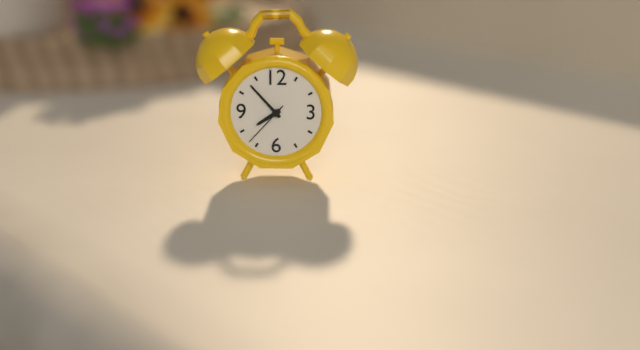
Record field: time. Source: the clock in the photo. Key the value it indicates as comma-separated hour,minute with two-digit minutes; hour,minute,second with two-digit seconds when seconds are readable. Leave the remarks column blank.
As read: 7,53
